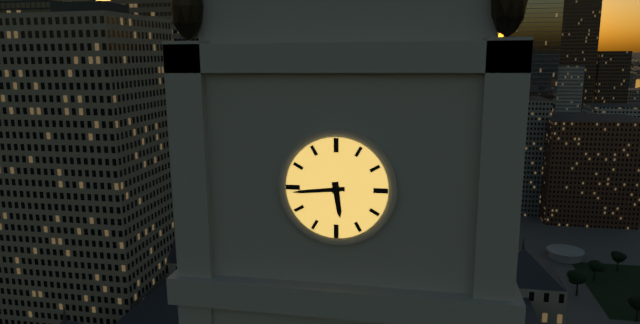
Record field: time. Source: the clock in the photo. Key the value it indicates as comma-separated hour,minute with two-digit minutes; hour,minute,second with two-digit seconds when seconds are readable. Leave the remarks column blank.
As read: 5,44
